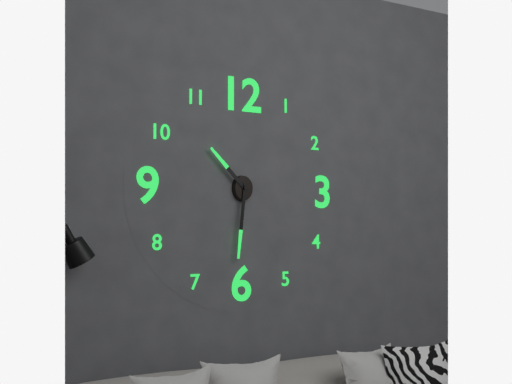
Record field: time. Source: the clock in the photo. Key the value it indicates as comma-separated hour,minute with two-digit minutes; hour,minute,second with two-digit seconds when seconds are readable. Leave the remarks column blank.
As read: 10,31
